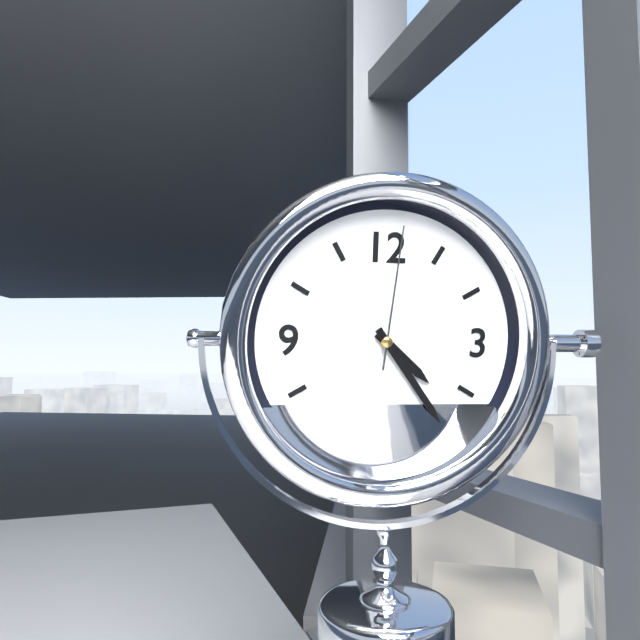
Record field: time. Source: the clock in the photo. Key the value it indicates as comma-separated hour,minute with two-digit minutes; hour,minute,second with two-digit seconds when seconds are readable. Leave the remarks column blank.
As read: 4,24,01
